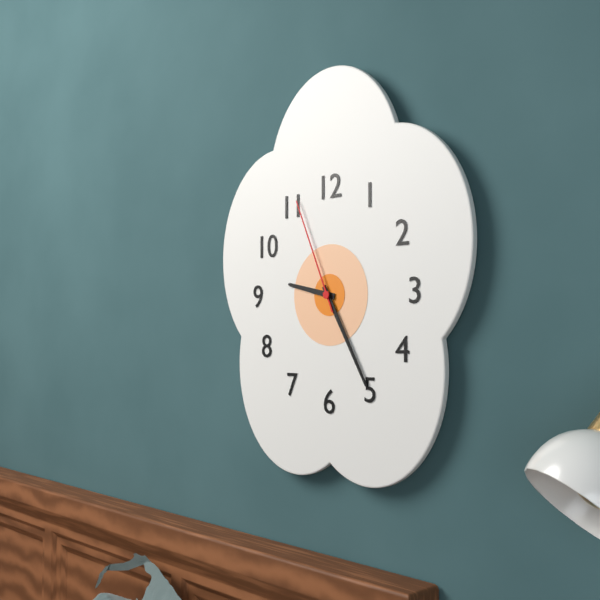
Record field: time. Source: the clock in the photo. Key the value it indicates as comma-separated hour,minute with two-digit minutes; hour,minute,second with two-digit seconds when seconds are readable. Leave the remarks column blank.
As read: 9,25,56
